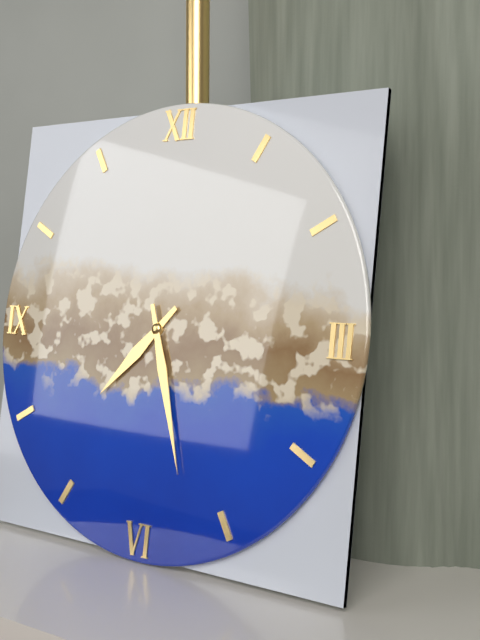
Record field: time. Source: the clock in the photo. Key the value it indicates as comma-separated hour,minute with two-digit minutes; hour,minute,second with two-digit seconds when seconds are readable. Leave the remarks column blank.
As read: 7,27
